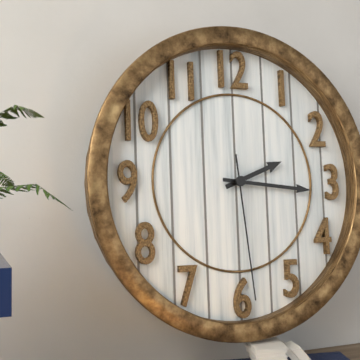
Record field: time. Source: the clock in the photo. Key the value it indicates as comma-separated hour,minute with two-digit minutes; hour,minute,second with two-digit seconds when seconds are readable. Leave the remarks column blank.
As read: 2,16,29
